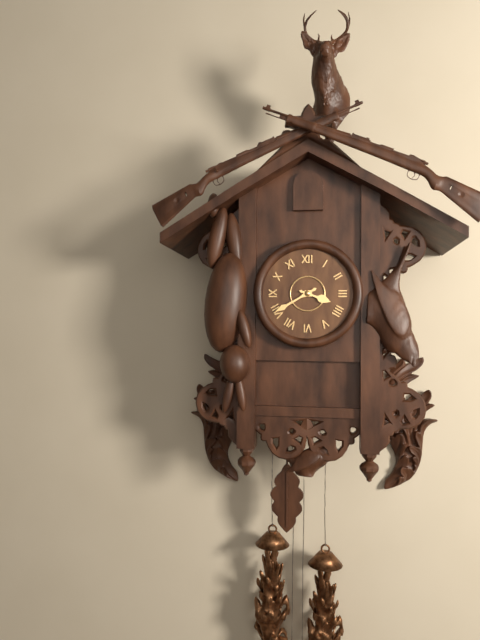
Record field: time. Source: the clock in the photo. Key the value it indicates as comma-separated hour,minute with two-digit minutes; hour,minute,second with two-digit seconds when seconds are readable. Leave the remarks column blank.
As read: 3,40
